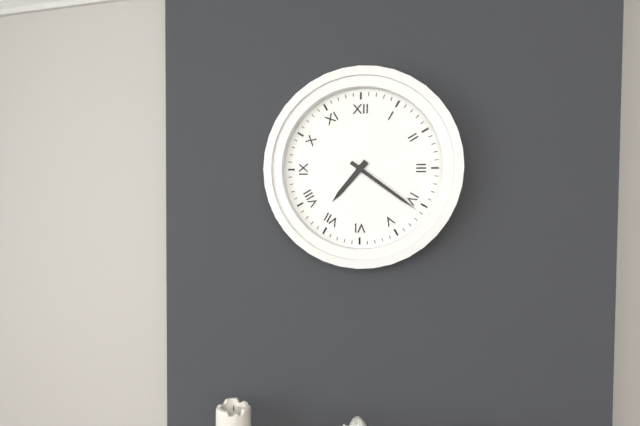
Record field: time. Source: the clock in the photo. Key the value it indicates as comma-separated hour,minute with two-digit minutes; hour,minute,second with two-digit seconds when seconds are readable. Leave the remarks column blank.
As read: 7,21
